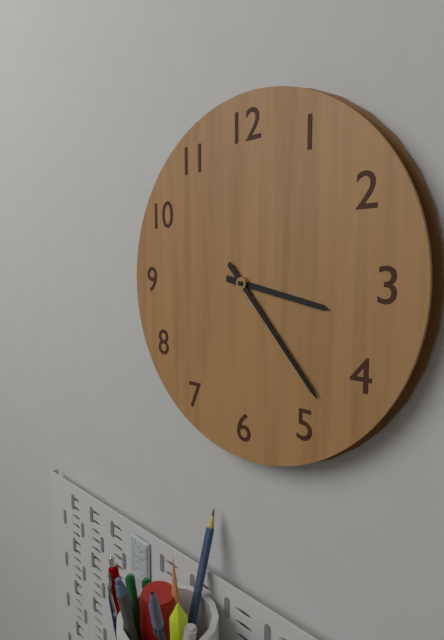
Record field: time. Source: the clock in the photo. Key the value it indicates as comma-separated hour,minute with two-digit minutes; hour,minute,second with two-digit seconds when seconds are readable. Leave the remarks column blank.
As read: 3,23
